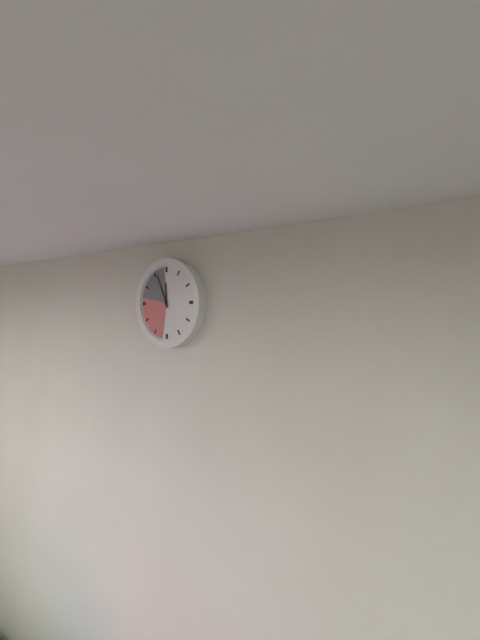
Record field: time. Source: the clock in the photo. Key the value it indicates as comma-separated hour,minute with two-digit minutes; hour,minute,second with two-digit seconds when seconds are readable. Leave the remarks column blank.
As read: 11,56
